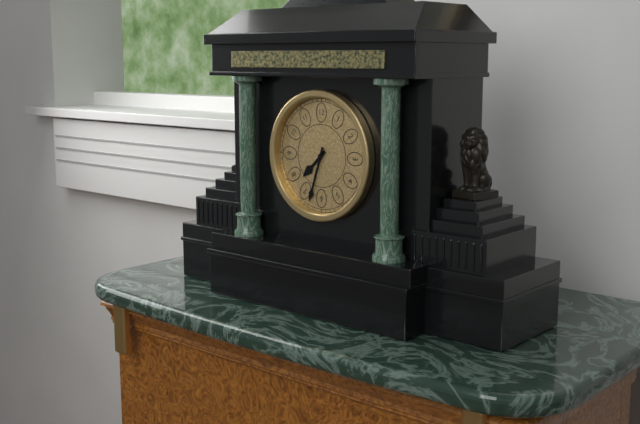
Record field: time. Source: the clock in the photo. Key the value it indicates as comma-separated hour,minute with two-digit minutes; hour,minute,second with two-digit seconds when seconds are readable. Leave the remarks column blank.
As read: 7,33
